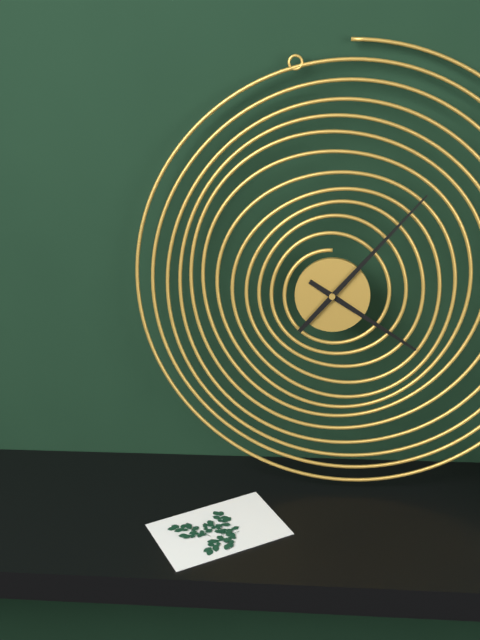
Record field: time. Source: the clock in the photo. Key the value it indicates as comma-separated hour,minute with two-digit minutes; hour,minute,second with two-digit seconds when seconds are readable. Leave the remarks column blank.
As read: 4,07
